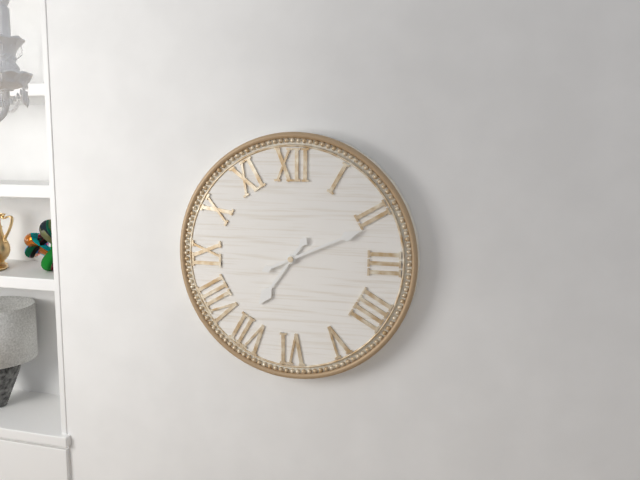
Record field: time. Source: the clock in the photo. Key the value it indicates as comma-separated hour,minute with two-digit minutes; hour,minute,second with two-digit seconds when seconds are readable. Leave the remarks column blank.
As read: 7,11
